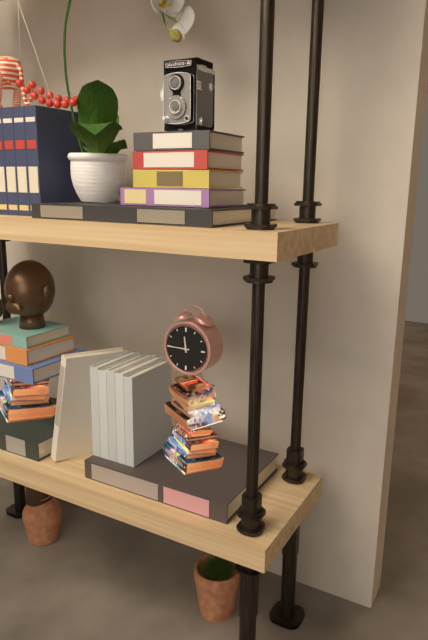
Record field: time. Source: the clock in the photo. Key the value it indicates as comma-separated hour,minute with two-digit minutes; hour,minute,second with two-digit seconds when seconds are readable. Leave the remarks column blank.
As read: 11,45
